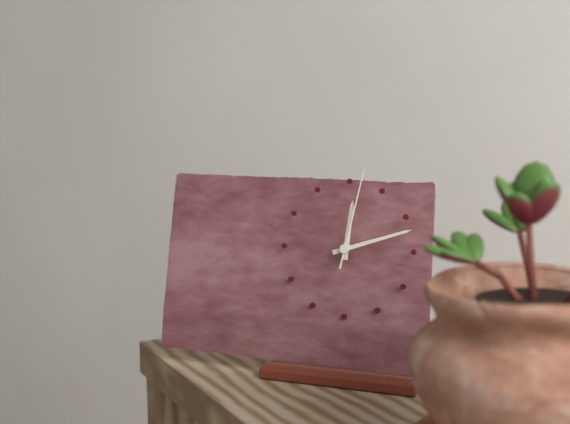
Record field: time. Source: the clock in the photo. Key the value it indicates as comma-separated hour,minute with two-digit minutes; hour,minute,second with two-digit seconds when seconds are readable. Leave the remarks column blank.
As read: 12,12,02
